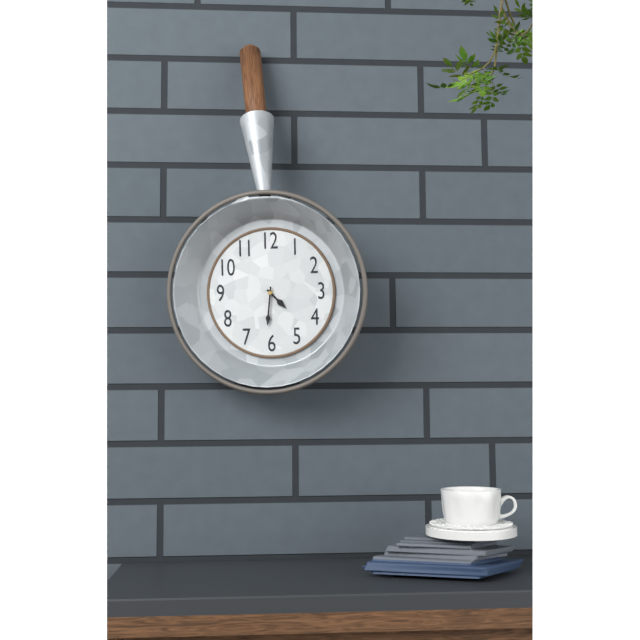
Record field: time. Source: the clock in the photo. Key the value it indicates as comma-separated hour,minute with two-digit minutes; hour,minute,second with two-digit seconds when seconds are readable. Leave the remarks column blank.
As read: 4,31
